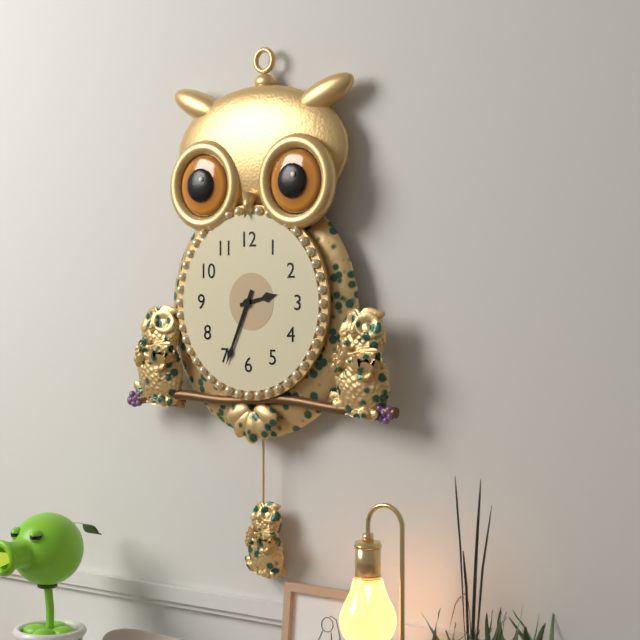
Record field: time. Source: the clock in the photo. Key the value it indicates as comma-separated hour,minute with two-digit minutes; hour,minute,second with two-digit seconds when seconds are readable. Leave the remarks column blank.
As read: 2,34
